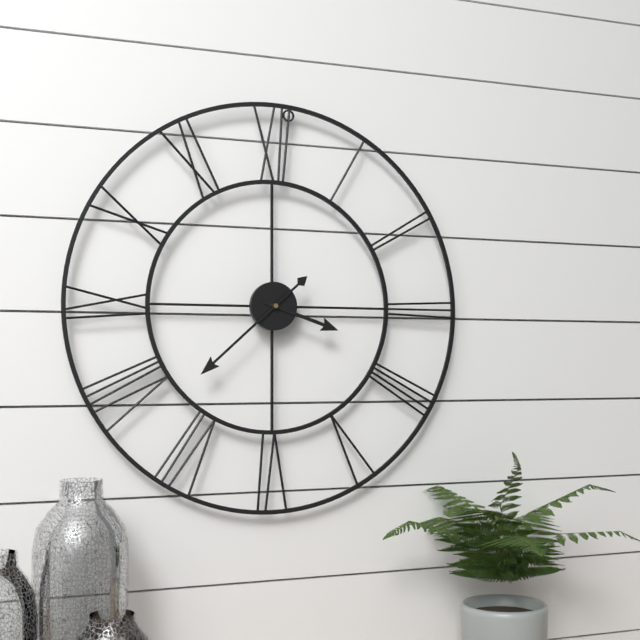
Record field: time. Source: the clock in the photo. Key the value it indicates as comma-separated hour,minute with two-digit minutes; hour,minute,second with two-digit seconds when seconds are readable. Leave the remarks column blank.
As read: 3,38
